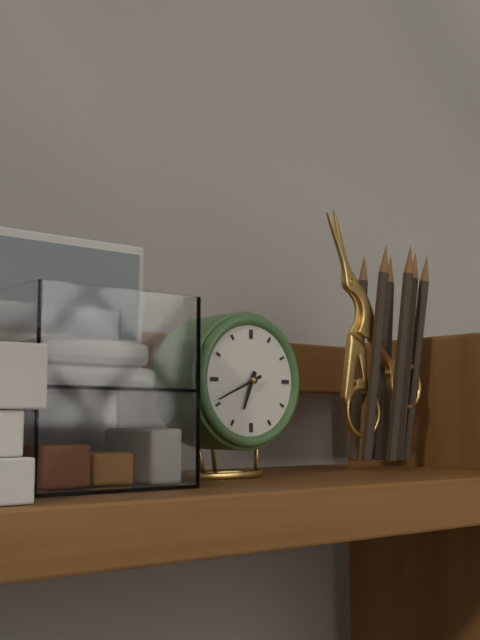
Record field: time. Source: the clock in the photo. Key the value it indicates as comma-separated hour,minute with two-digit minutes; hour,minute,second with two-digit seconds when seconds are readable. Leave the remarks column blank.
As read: 6,41
